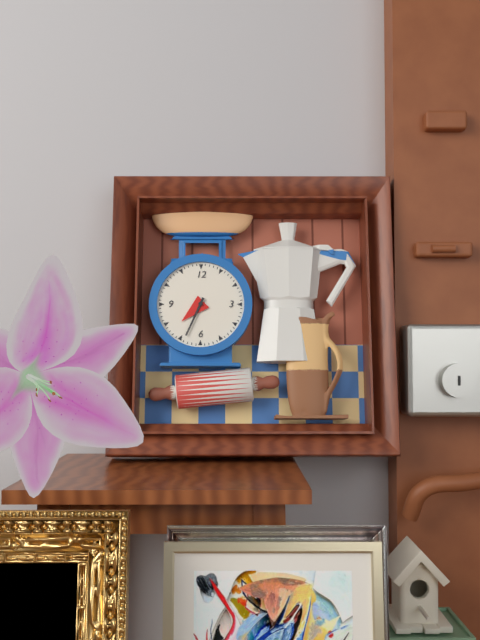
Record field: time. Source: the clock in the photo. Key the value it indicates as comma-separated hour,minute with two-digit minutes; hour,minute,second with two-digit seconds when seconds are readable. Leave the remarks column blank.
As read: 7,34
